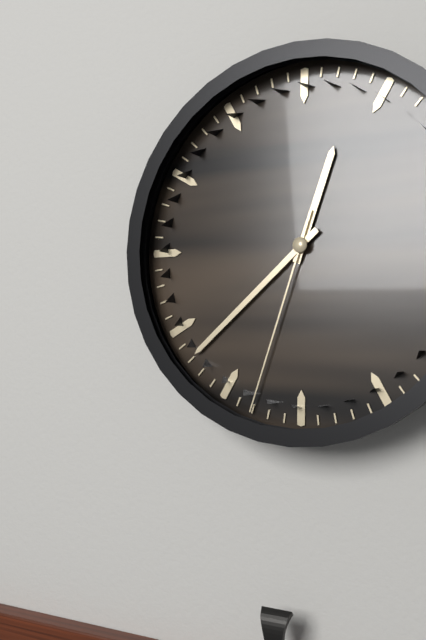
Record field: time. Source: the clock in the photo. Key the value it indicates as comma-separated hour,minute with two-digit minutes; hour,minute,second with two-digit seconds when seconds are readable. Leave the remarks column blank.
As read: 12,38,33
